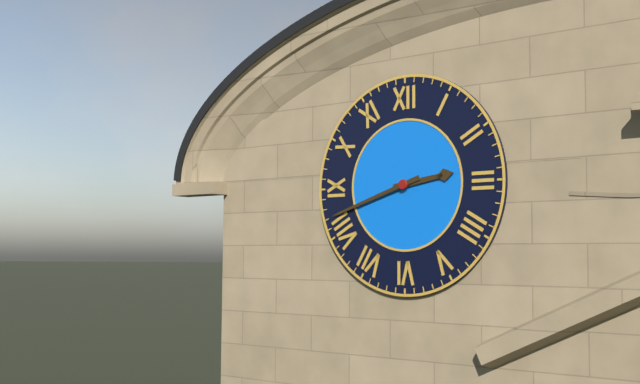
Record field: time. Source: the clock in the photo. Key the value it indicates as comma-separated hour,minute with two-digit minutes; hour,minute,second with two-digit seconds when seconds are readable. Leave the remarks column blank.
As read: 2,42
